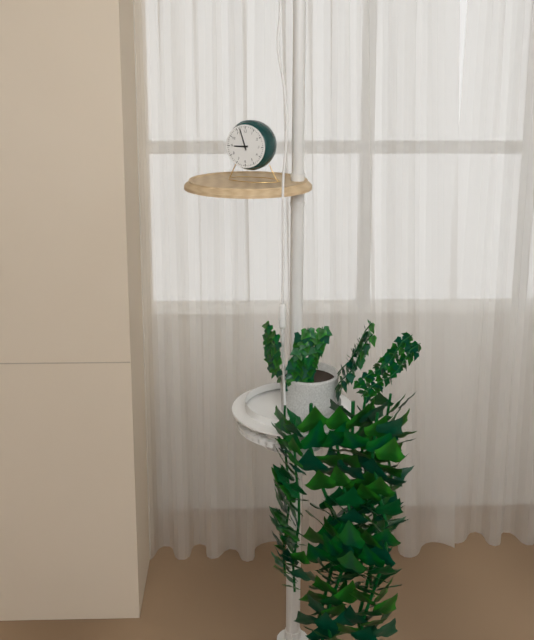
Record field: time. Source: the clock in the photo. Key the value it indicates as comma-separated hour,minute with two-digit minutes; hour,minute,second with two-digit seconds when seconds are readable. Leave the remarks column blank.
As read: 8,57
